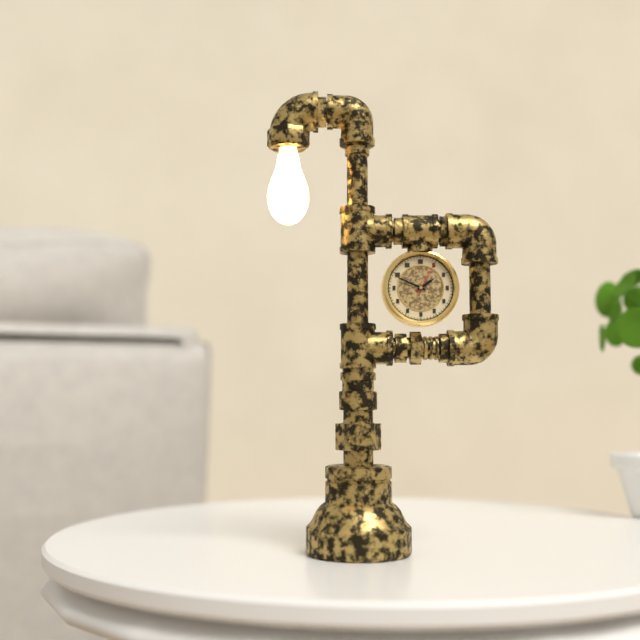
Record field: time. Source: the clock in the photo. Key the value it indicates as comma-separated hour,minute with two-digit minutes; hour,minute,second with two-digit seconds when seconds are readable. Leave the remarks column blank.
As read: 1,49
